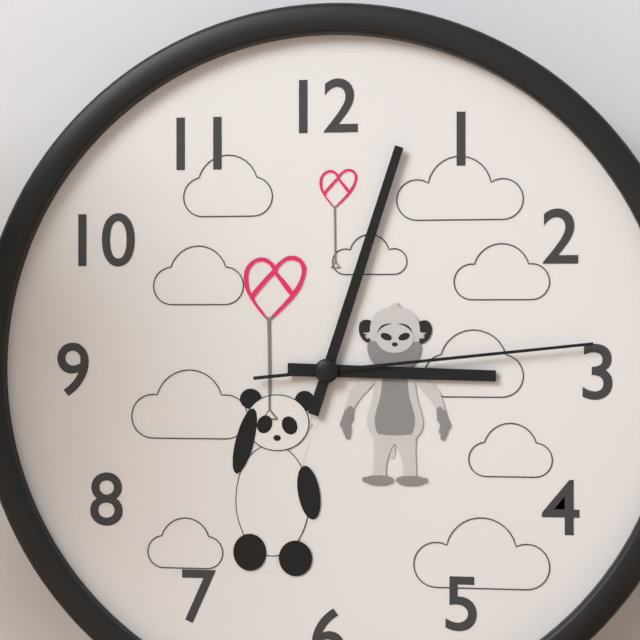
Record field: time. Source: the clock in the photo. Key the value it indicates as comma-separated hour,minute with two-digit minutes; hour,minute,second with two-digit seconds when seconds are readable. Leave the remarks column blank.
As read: 3,03,14
